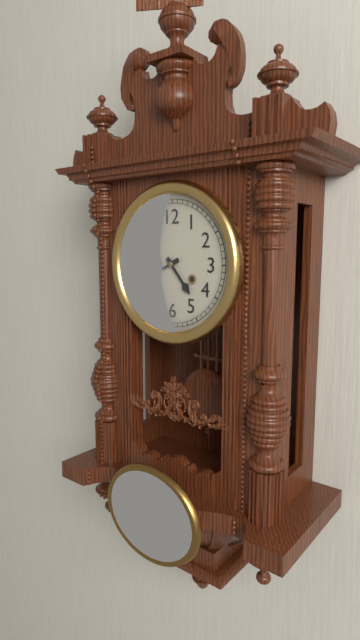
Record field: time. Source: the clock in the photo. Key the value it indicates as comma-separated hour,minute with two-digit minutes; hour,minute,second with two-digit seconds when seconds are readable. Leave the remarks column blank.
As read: 4,41
